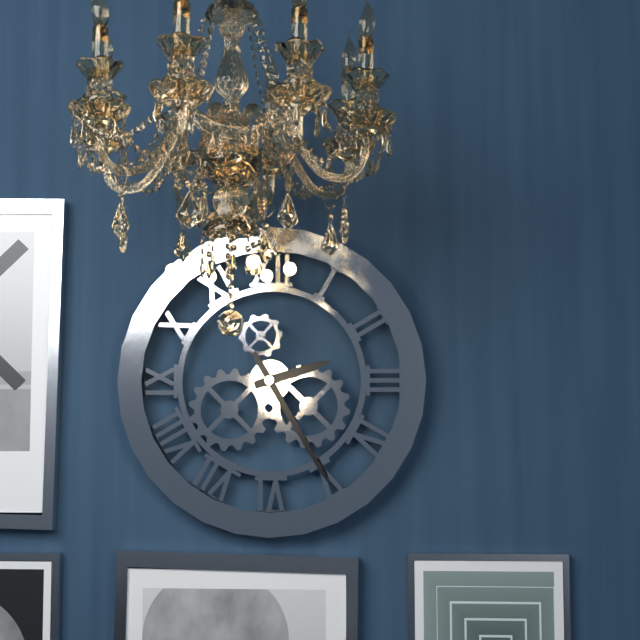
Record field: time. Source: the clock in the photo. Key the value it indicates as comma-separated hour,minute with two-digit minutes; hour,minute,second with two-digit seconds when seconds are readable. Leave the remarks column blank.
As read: 2,25
